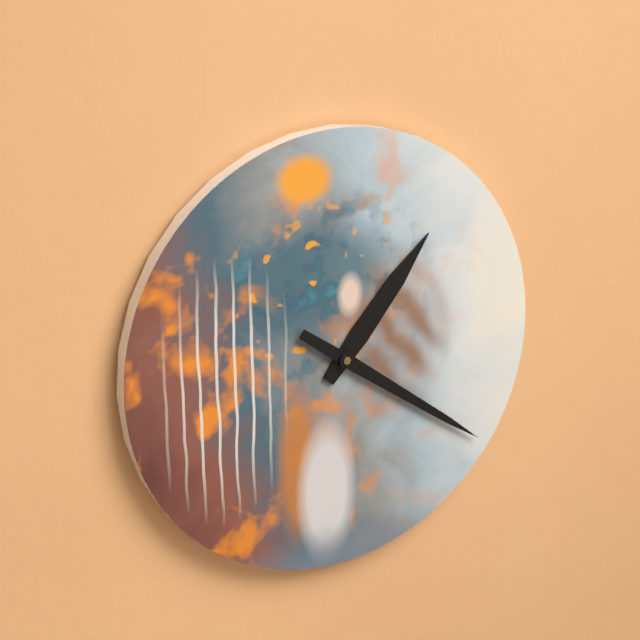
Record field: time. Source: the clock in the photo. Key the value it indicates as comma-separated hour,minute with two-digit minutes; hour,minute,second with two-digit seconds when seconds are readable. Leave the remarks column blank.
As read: 1,21
